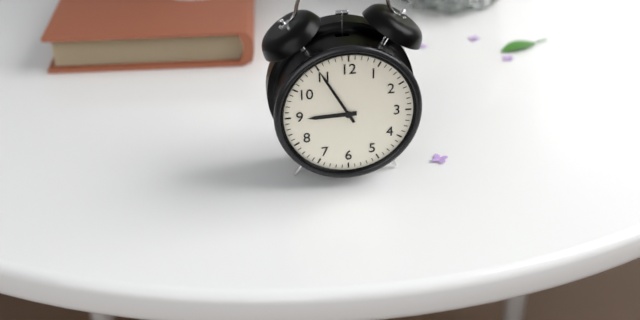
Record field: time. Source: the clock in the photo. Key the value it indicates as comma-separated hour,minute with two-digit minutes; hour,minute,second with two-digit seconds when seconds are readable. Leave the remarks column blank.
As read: 8,55
